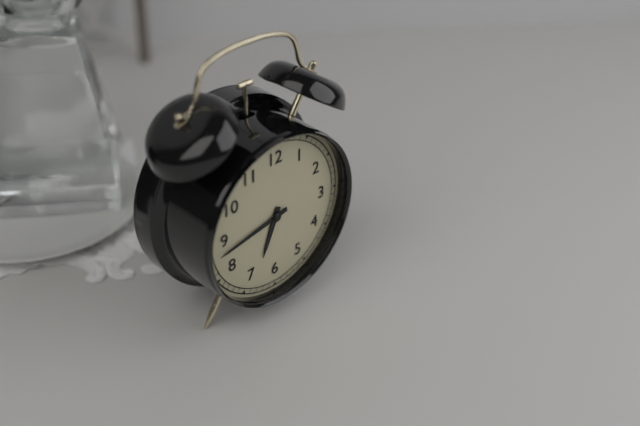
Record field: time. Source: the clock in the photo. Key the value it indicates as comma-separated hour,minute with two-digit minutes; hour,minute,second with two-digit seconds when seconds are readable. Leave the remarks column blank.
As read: 6,43
